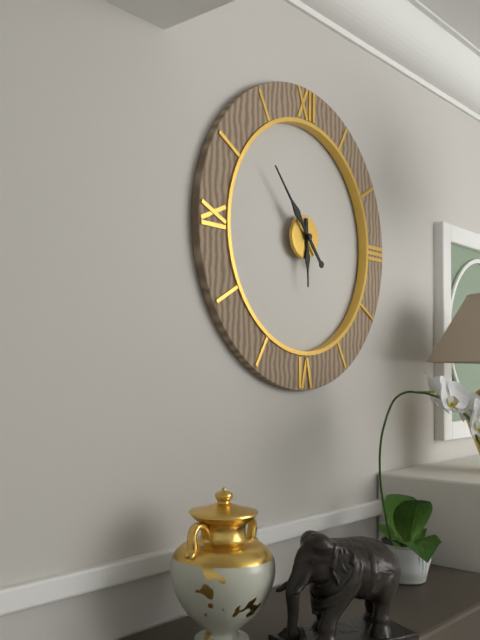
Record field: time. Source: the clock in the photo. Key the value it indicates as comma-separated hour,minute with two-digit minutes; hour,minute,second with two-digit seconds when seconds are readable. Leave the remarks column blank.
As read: 5,53
